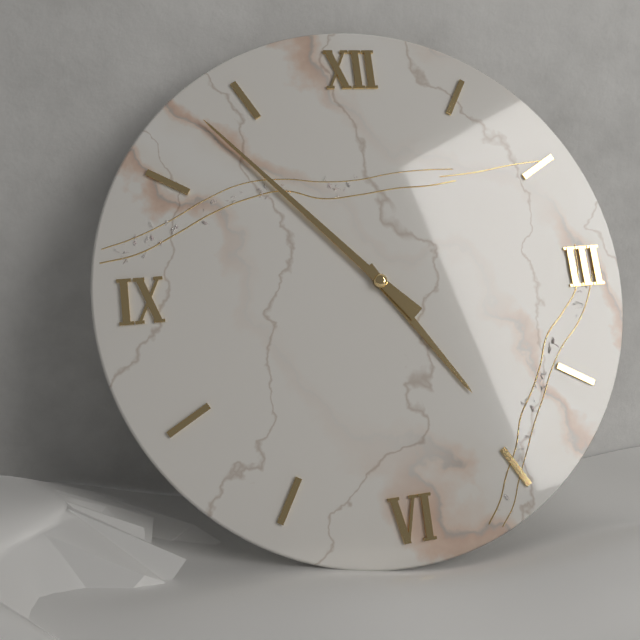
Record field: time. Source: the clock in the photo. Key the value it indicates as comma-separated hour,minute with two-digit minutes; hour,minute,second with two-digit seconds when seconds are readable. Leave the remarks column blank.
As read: 4,53
